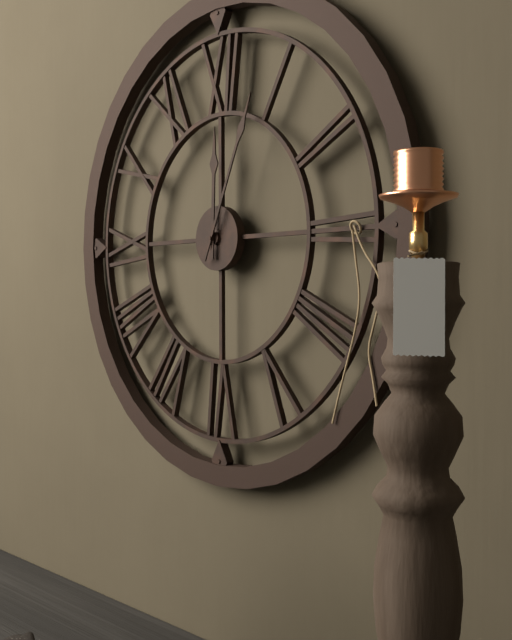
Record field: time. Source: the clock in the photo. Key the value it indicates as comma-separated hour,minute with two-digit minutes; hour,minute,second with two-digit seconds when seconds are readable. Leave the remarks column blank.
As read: 12,04
